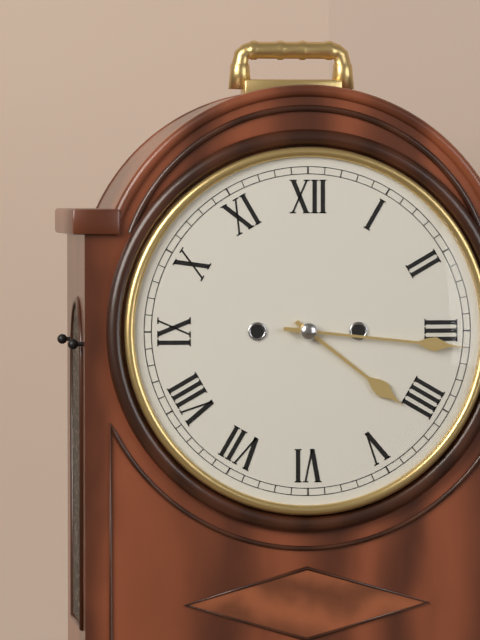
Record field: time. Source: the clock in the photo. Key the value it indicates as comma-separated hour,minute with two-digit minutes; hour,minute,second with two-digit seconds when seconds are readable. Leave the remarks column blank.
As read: 4,16
